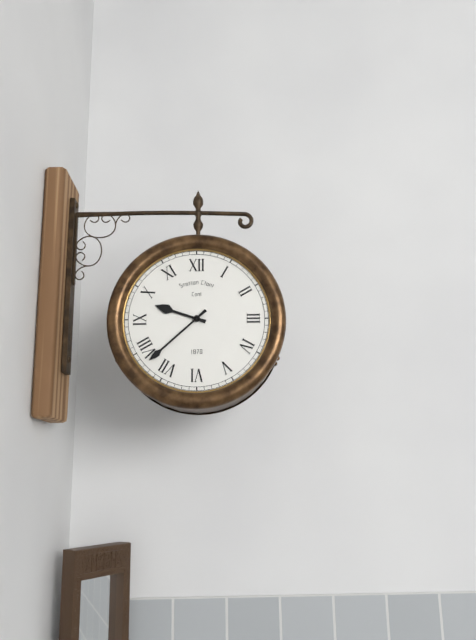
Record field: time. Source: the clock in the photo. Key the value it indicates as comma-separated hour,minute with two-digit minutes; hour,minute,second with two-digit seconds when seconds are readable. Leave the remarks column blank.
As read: 9,38
